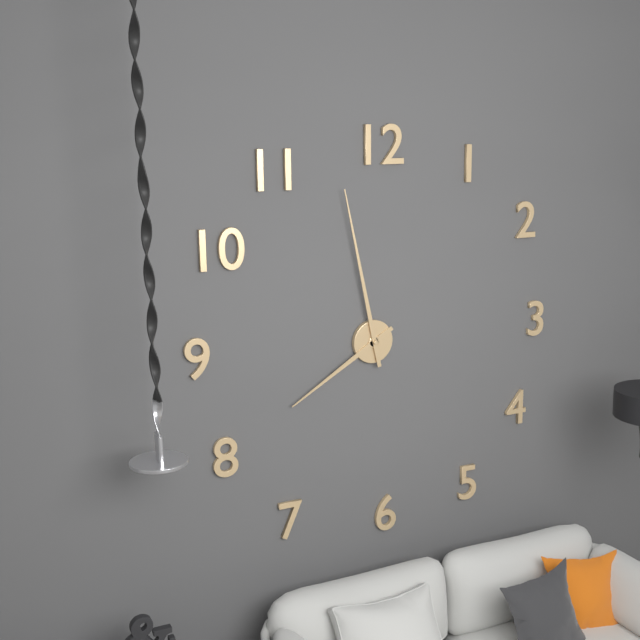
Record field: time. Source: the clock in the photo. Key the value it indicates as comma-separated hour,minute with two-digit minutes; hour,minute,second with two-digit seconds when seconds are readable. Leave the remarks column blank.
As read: 7,58
